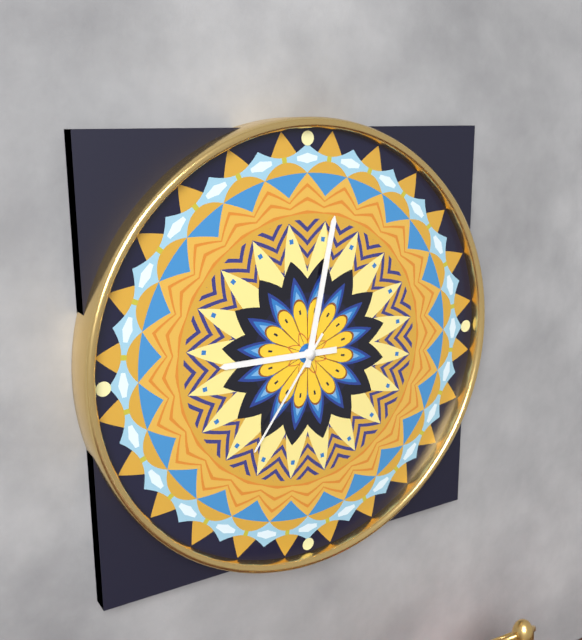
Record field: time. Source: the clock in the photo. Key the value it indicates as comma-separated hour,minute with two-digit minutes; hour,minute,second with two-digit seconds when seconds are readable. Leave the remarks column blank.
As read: 9,02,36
